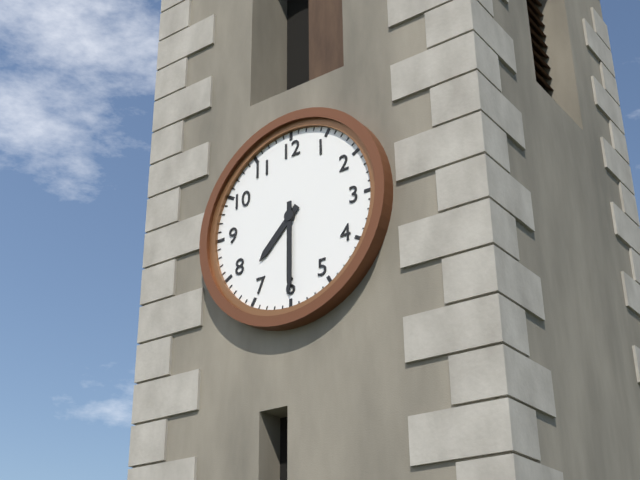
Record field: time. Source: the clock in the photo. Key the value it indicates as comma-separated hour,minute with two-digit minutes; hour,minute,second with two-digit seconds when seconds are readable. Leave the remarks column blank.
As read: 7,30
